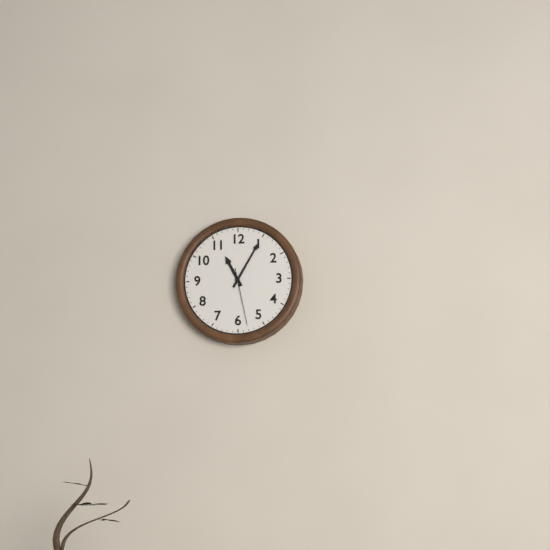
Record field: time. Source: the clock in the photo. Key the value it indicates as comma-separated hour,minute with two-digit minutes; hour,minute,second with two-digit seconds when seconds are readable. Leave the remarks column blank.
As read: 11,05,28
